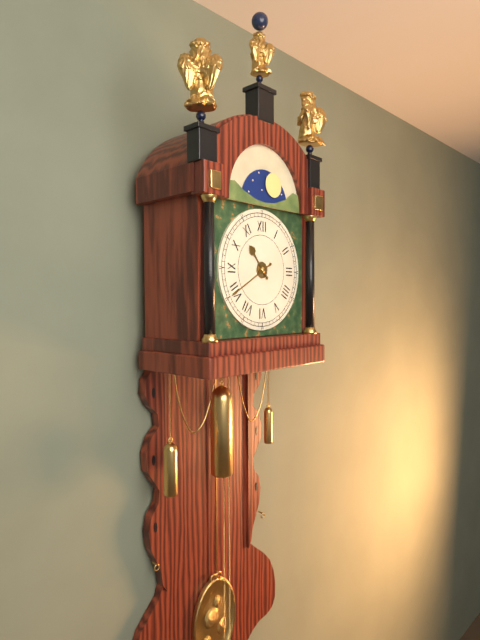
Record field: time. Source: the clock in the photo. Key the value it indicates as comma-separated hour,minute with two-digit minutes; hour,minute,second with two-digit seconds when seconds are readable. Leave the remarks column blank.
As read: 10,40
